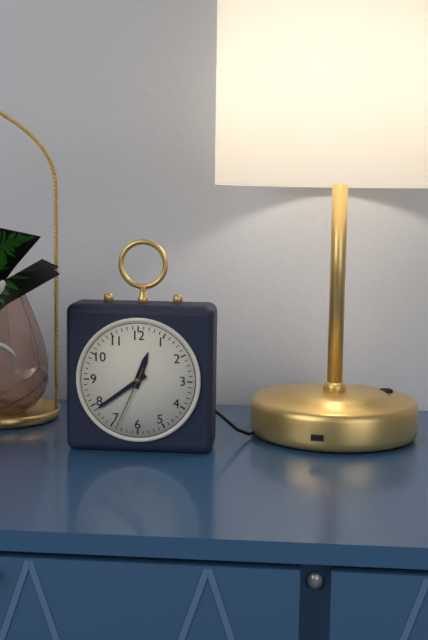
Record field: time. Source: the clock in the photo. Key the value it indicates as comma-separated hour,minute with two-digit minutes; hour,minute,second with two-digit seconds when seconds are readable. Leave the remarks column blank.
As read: 12,39,34
